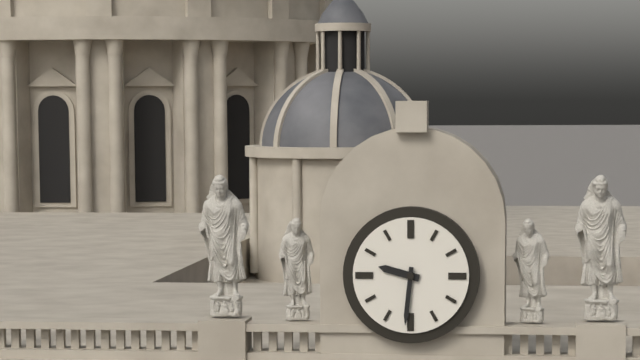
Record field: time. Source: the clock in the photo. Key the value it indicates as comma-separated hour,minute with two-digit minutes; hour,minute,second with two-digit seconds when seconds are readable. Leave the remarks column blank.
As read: 9,31
